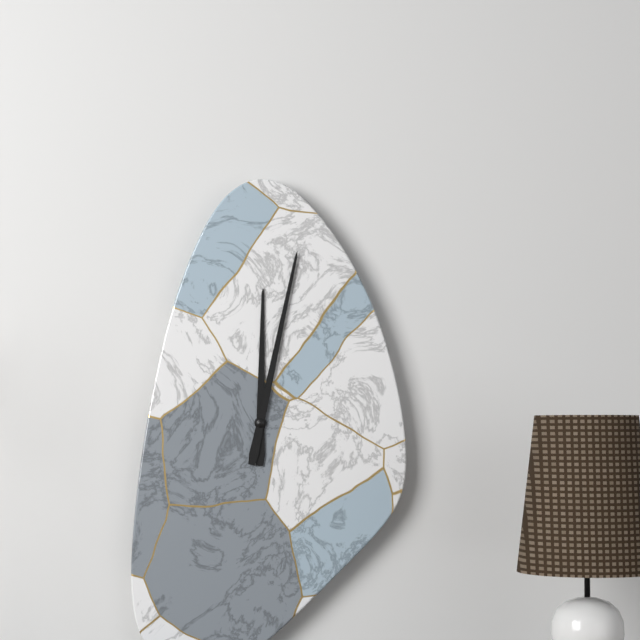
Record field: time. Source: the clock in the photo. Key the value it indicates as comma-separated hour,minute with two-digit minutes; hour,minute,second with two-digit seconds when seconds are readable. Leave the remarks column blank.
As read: 12,02
